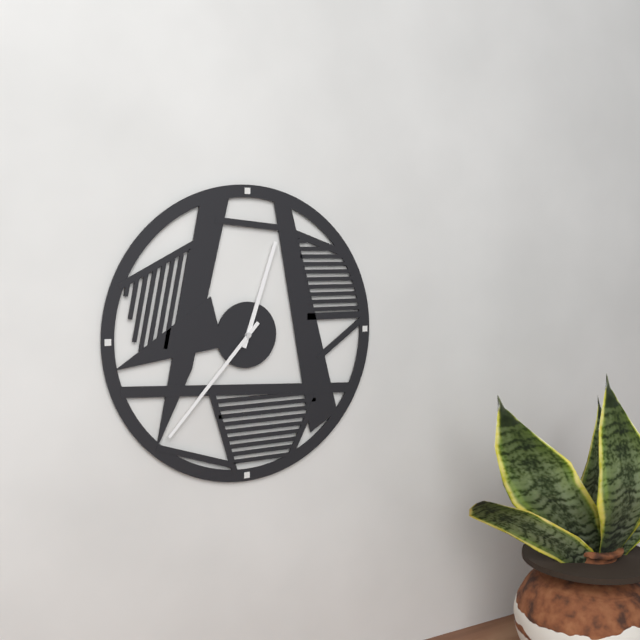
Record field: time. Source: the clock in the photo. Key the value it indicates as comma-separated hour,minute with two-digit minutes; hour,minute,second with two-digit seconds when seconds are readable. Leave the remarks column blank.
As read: 12,37
